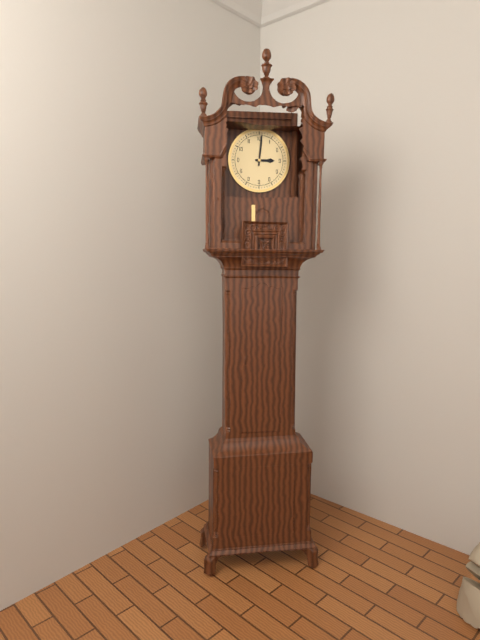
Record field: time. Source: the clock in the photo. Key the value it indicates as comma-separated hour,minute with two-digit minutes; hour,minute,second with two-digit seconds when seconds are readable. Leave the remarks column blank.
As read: 3,01
